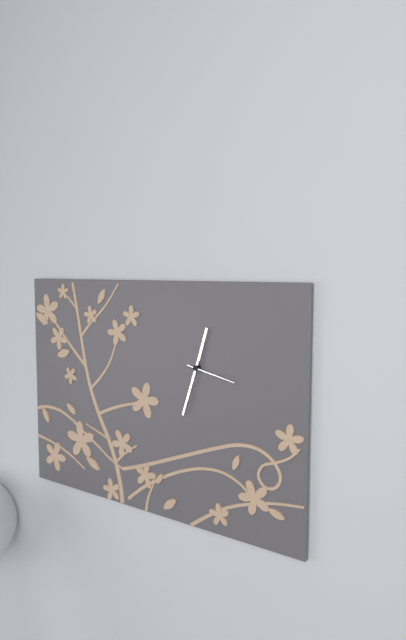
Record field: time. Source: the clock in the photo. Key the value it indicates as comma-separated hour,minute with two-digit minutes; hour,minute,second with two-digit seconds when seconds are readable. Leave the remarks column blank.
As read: 12,33,17
